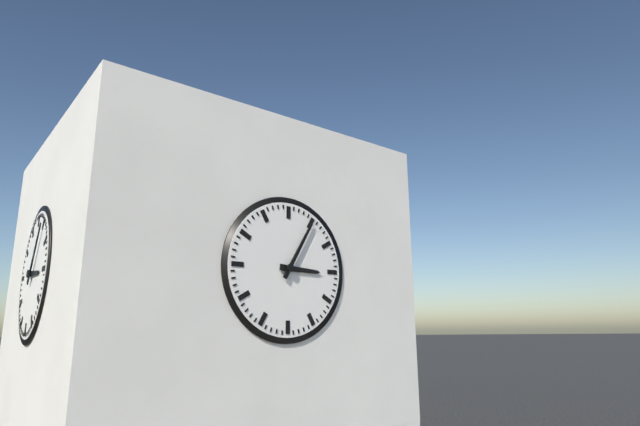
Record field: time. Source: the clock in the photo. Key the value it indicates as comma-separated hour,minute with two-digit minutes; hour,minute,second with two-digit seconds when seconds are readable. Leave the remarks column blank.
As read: 3,05
